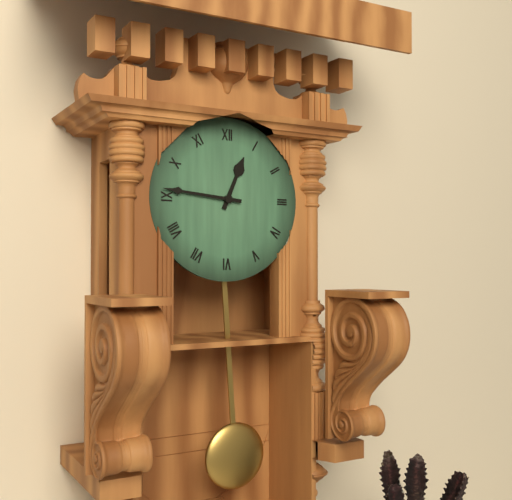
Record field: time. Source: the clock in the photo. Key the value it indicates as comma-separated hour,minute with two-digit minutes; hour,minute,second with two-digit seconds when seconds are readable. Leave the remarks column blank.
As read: 12,46
